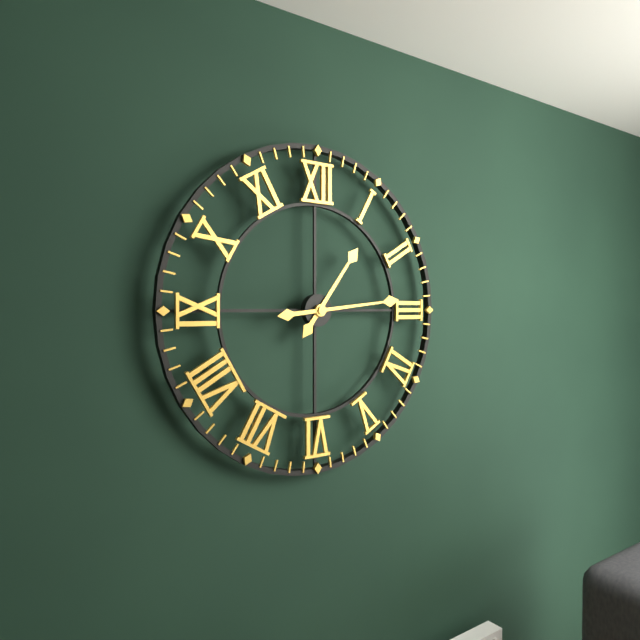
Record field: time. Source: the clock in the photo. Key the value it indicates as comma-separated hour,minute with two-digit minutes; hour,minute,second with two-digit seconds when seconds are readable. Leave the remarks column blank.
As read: 1,14
